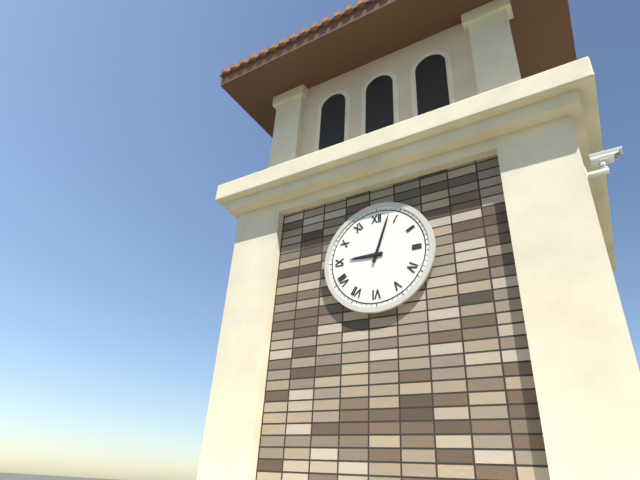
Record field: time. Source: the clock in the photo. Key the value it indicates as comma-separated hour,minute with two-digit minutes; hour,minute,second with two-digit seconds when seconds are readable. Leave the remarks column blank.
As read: 9,03
